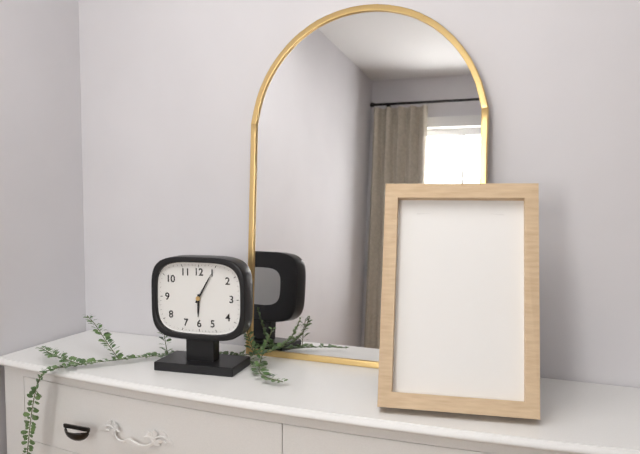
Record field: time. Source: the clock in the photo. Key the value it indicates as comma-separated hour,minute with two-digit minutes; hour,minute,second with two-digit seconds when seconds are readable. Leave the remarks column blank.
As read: 6,05
